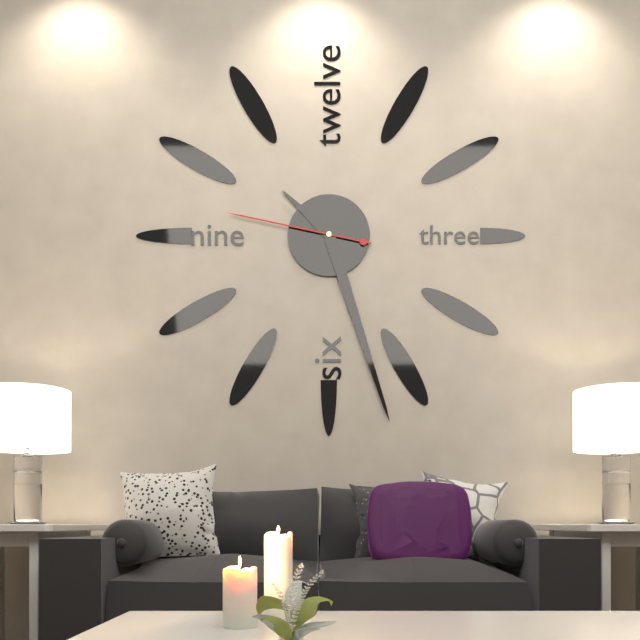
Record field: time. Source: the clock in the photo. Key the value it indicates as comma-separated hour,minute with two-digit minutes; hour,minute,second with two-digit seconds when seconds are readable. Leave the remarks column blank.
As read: 10,27,47
